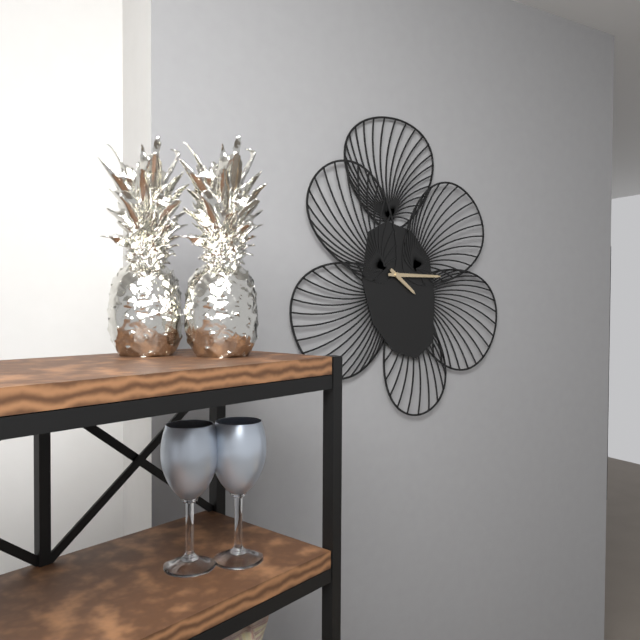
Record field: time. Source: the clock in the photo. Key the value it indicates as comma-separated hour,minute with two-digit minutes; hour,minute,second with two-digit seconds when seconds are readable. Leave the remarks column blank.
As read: 4,15
